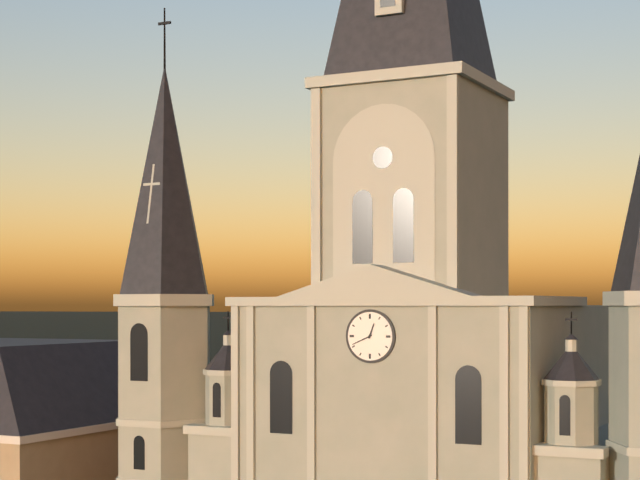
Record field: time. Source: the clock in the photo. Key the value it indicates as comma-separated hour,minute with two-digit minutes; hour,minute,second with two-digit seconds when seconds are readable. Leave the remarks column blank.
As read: 12,41
